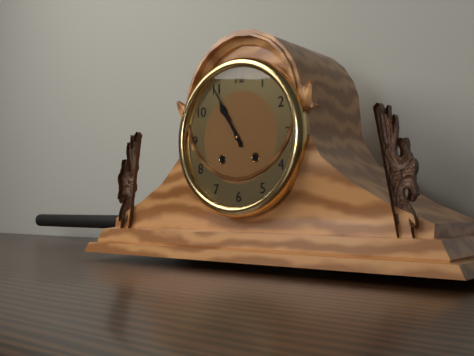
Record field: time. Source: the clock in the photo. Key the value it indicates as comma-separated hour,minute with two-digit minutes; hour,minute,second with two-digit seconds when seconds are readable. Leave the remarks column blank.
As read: 10,55
